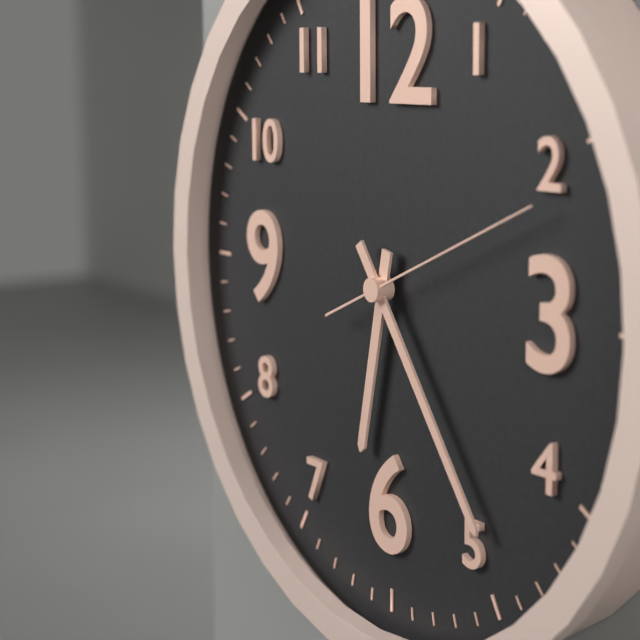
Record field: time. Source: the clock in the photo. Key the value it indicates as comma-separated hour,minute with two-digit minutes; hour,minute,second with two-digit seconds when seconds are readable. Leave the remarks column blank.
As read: 6,24,11
